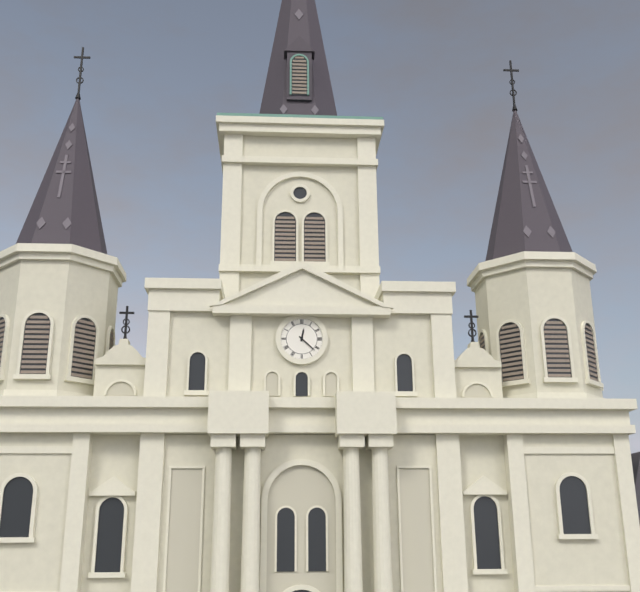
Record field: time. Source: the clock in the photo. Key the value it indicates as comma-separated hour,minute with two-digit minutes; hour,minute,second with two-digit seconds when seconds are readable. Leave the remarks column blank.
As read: 12,22
